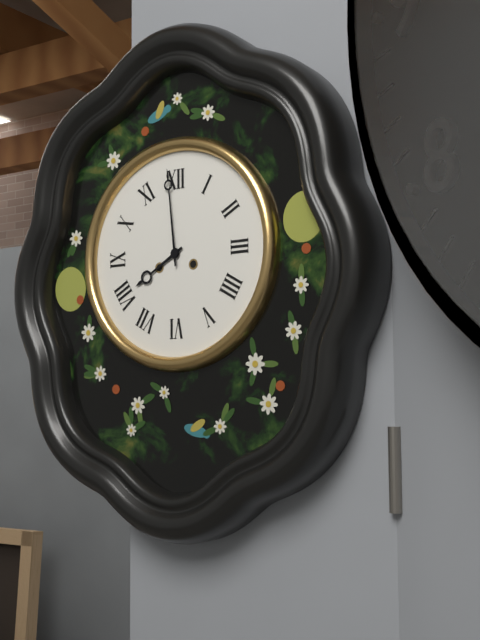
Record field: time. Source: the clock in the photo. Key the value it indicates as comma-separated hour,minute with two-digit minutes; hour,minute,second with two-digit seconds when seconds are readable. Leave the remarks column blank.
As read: 7,59
